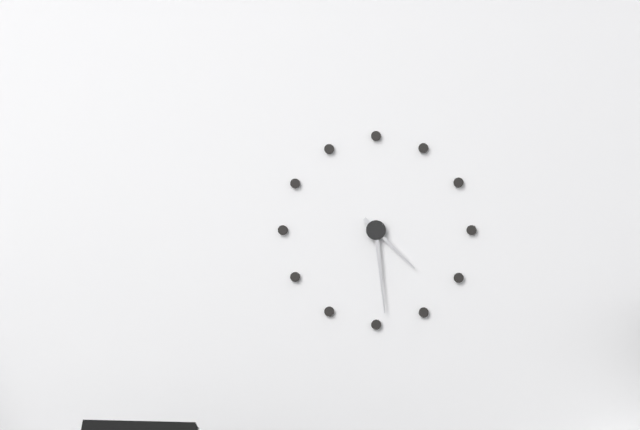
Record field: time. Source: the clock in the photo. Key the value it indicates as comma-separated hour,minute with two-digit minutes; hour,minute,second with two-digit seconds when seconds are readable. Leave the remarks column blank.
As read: 4,29
